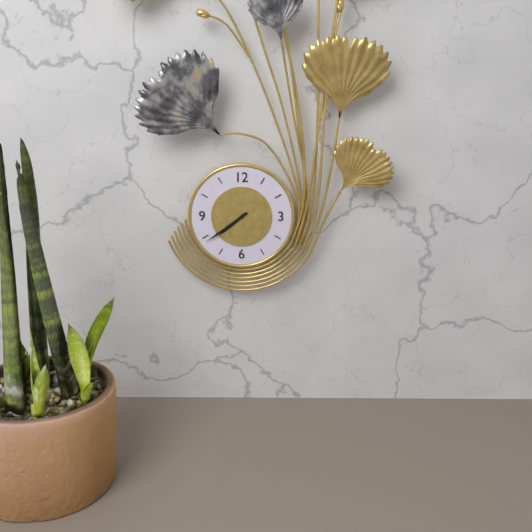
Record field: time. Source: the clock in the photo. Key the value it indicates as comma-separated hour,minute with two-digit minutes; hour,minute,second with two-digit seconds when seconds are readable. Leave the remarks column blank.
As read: 7,39
